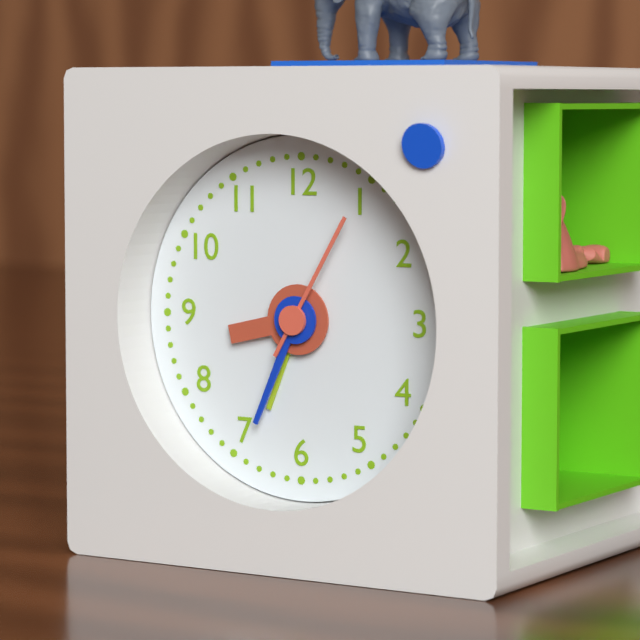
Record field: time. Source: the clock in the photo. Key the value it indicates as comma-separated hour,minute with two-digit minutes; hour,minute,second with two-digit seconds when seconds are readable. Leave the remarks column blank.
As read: 8,34,05
